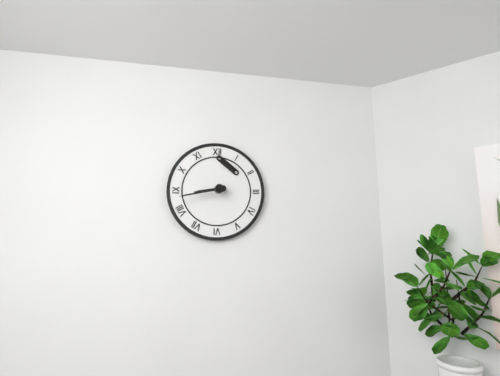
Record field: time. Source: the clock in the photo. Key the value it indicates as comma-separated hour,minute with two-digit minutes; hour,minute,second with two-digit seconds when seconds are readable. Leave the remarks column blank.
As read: 8,43
